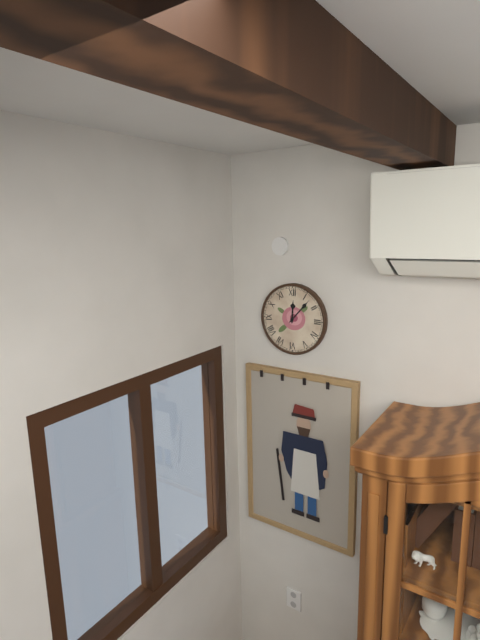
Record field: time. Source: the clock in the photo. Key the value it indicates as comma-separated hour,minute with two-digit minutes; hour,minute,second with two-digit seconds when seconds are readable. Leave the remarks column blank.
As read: 12,07
